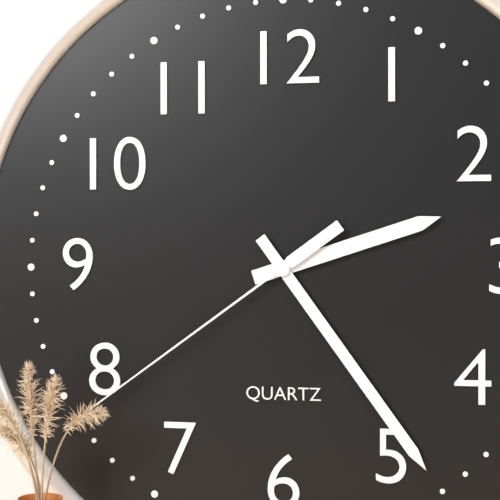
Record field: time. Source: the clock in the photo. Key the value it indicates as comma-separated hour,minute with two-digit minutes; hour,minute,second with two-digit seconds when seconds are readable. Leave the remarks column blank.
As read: 2,24,39
